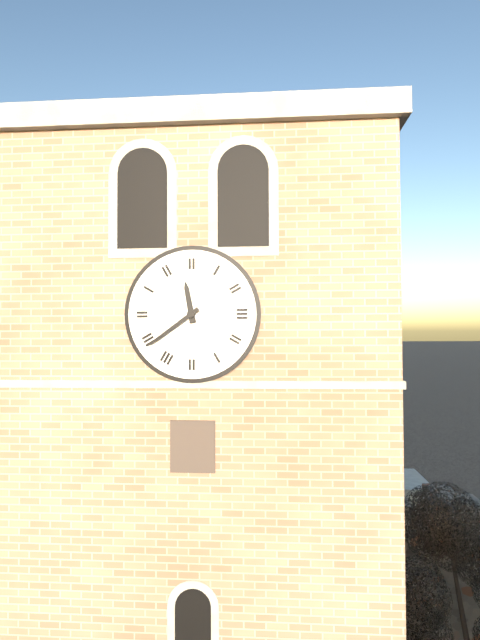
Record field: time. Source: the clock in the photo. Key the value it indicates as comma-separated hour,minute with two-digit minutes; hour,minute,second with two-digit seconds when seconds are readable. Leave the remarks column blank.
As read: 11,39
